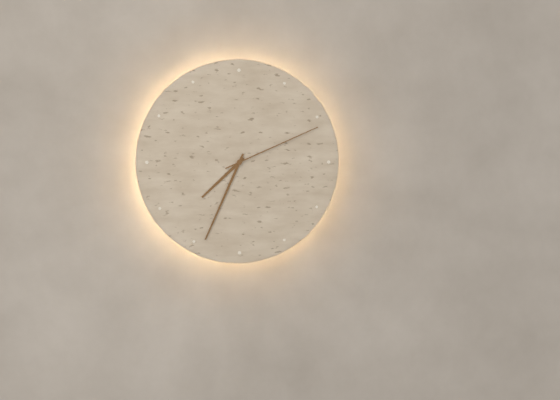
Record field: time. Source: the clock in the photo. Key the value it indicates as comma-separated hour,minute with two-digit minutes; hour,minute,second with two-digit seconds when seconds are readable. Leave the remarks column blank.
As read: 7,34,11
